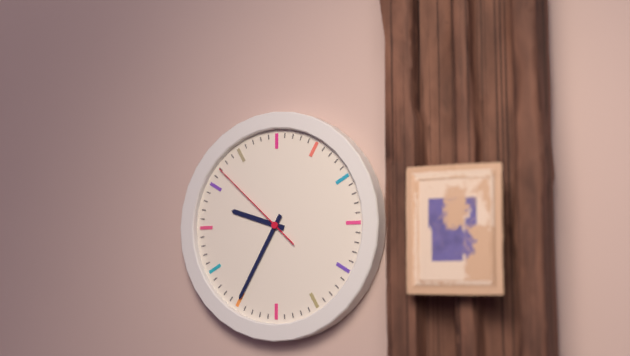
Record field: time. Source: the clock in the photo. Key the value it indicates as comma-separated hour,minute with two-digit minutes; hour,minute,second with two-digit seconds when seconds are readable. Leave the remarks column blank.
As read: 9,35,52
